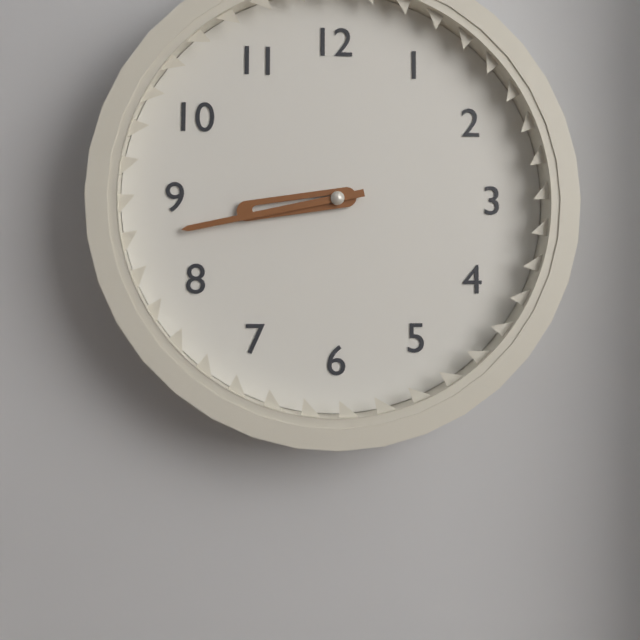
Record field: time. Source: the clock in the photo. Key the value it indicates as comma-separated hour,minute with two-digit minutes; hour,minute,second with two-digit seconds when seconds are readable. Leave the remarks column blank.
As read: 8,43
